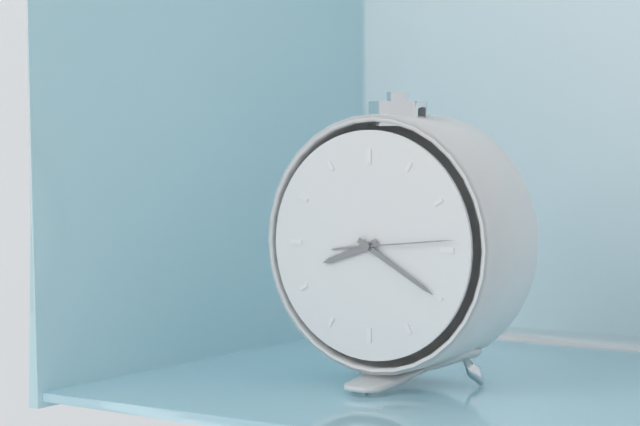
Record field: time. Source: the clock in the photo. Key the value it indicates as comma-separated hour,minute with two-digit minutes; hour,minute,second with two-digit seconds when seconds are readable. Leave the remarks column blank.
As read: 8,20,14
